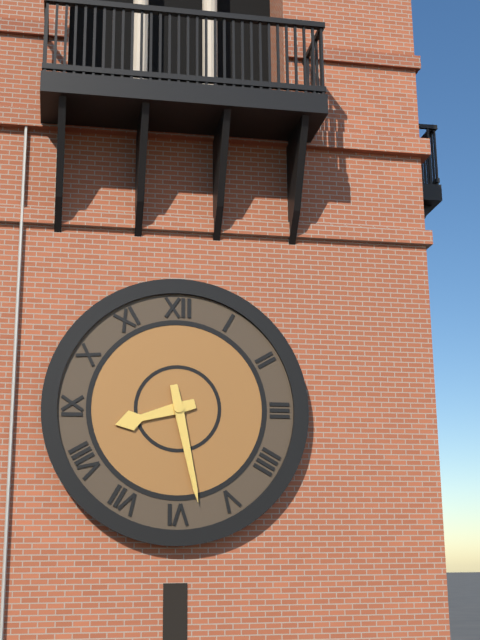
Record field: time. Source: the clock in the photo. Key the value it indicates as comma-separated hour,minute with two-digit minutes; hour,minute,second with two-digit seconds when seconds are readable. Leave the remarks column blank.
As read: 8,28
